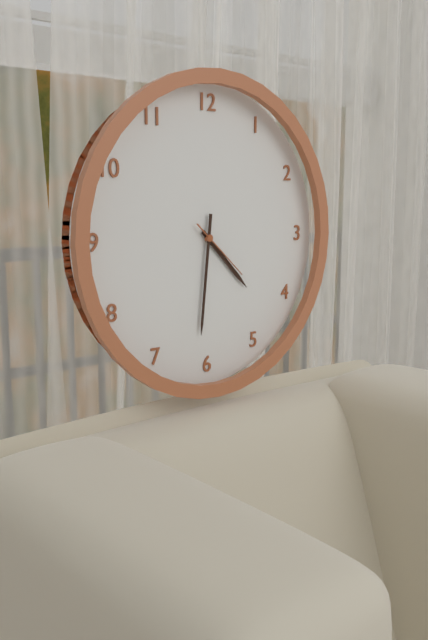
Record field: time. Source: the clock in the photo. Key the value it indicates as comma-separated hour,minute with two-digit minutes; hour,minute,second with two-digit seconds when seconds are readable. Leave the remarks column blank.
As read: 4,31,22
